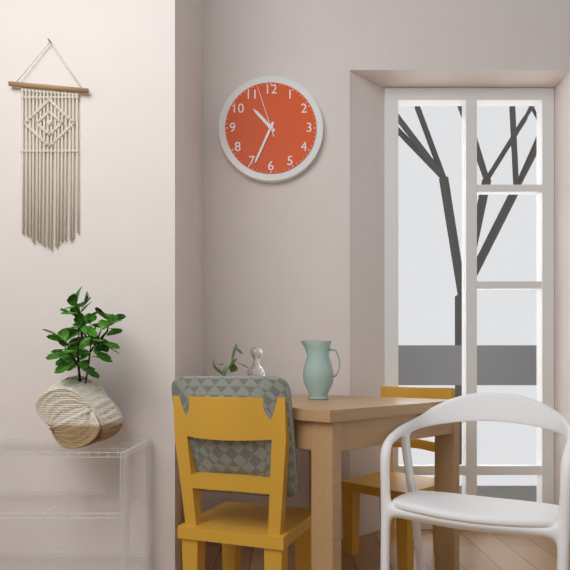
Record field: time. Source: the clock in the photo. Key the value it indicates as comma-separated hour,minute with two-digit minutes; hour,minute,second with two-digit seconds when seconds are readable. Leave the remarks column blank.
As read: 10,34,57
